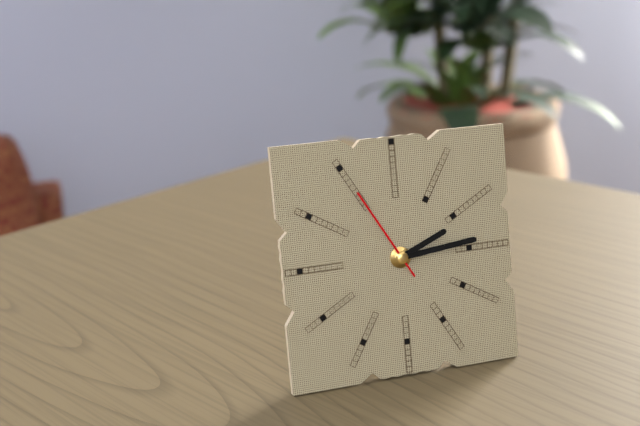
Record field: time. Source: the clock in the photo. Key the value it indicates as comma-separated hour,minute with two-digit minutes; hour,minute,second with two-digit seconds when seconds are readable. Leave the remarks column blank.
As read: 2,14,55
